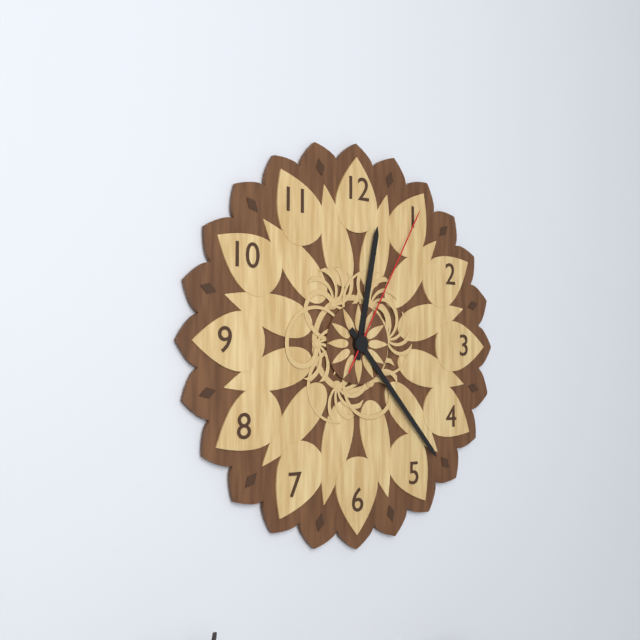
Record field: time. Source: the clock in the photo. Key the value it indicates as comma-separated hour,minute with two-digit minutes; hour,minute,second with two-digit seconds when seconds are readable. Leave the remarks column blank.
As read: 12,23,05
